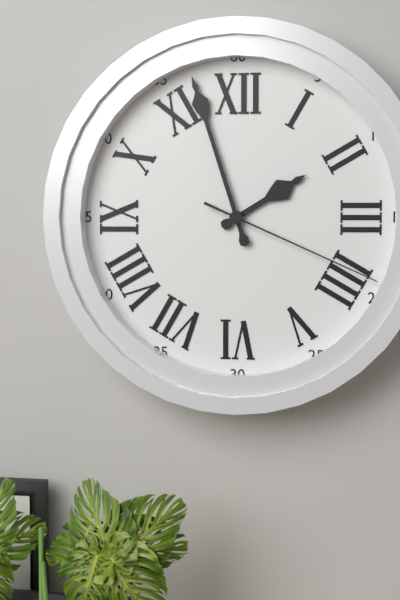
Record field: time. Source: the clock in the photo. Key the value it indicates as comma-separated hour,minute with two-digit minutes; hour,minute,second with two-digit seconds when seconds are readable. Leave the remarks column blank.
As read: 1,57,19
